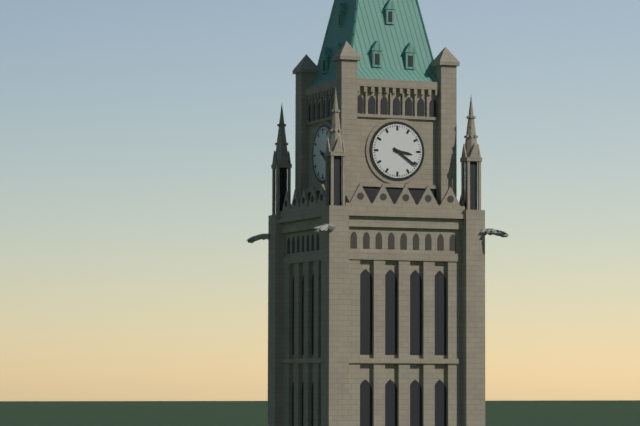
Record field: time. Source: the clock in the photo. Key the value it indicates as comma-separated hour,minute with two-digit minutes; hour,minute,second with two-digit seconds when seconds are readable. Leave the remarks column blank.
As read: 3,21
